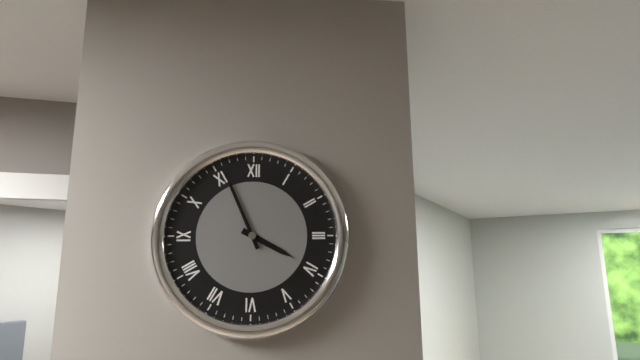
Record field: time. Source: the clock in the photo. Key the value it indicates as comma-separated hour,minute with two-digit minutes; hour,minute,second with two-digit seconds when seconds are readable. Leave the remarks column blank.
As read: 3,56
